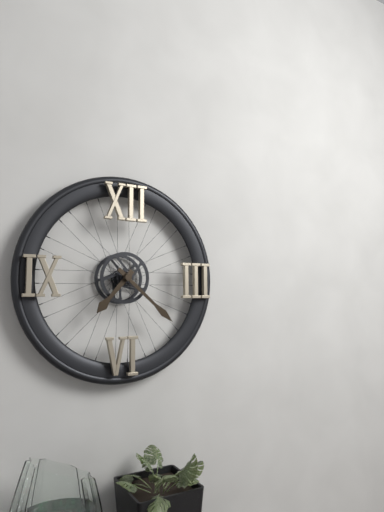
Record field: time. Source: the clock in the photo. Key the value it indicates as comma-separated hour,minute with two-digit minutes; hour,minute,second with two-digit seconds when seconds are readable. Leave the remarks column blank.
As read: 7,22
